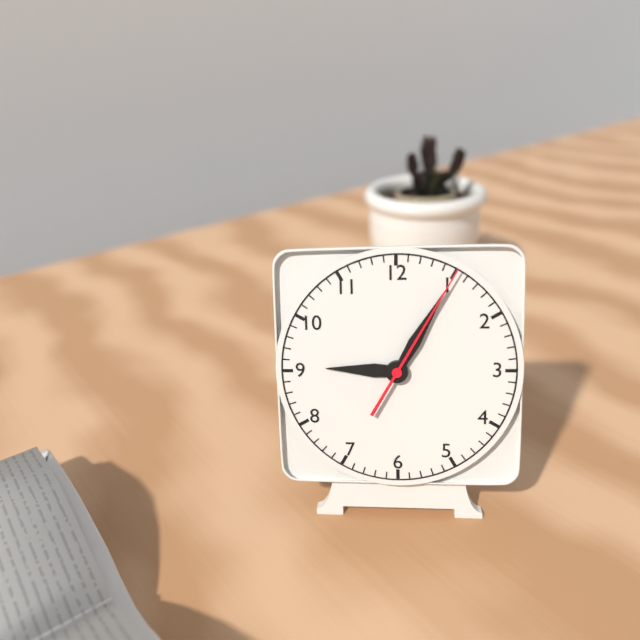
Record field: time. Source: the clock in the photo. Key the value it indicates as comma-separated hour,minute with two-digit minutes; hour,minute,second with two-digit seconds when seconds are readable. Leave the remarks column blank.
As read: 9,05,05
